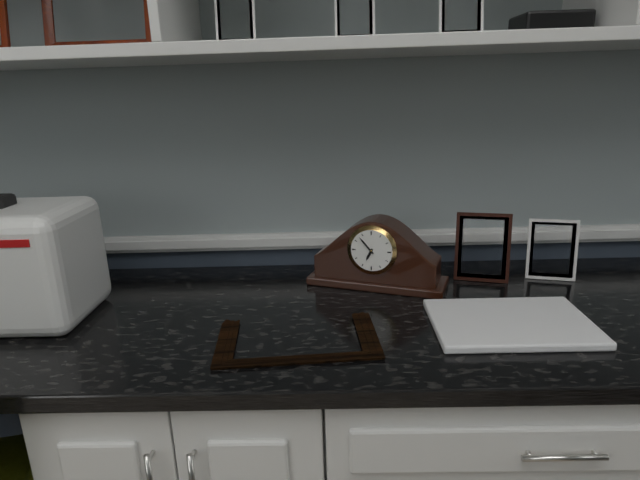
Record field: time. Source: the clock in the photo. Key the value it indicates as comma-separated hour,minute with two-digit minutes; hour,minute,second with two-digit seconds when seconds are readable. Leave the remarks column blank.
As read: 6,53
